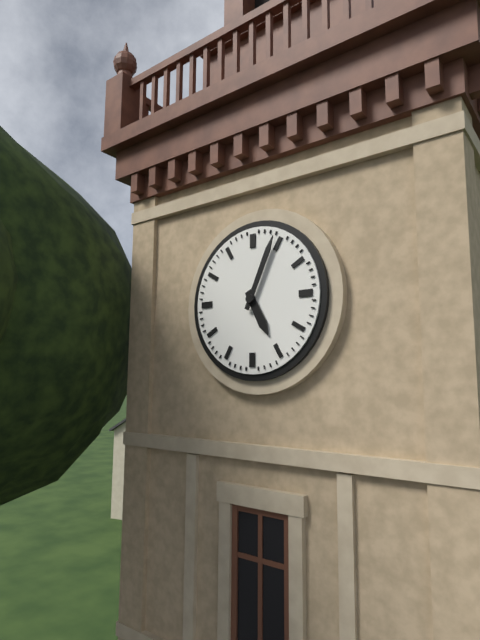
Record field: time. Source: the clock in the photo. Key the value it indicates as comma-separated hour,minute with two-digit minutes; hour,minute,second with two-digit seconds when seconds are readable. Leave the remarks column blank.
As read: 5,04
